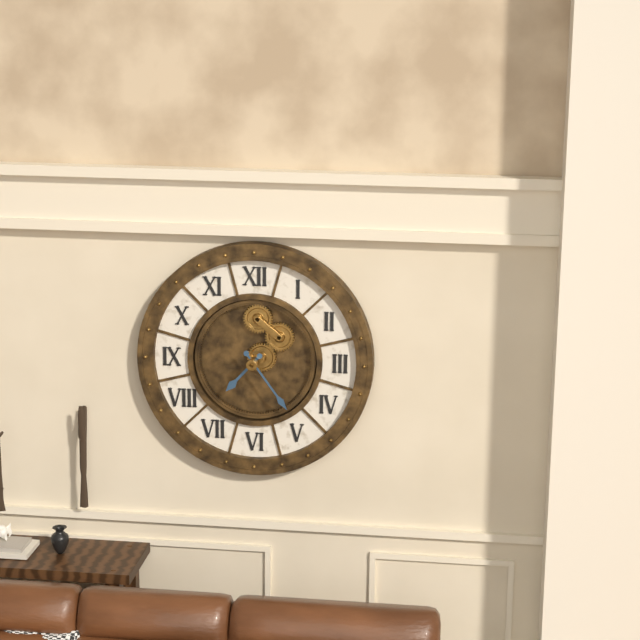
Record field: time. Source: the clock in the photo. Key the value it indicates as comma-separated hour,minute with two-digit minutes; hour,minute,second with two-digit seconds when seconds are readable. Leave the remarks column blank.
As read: 7,24
